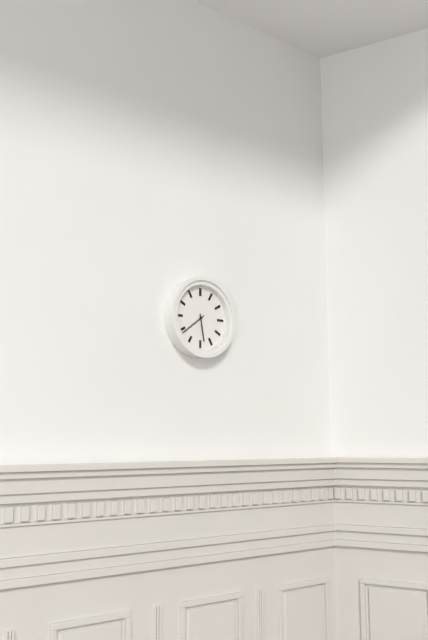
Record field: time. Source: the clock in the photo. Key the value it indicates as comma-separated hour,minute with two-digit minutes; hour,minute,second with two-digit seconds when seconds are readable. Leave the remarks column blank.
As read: 5,39
